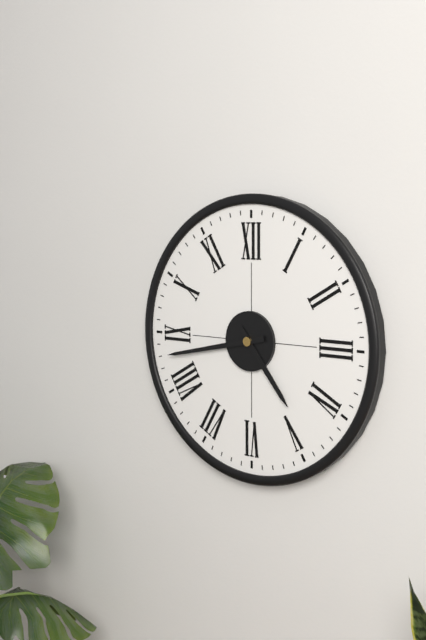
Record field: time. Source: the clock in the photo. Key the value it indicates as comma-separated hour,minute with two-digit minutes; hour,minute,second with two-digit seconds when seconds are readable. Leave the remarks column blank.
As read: 4,43
